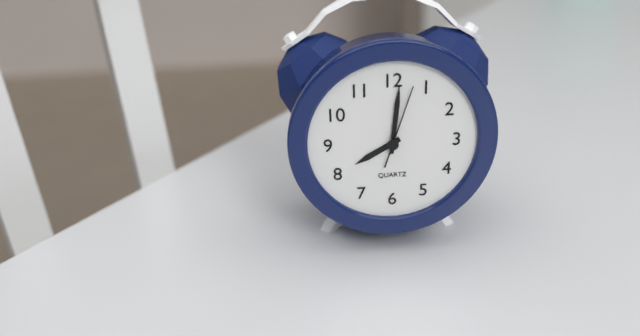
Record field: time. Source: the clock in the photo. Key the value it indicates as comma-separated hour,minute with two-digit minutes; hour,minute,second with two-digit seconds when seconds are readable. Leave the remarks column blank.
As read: 8,01,03
